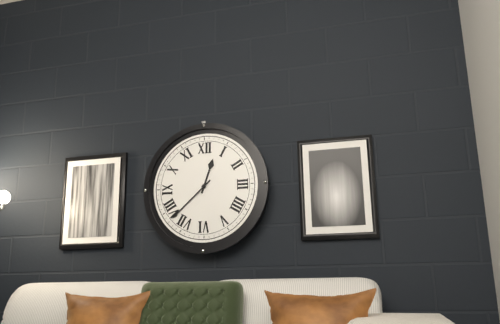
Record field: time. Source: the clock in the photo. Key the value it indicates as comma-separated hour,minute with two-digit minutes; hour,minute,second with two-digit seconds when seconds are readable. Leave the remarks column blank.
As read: 12,38
